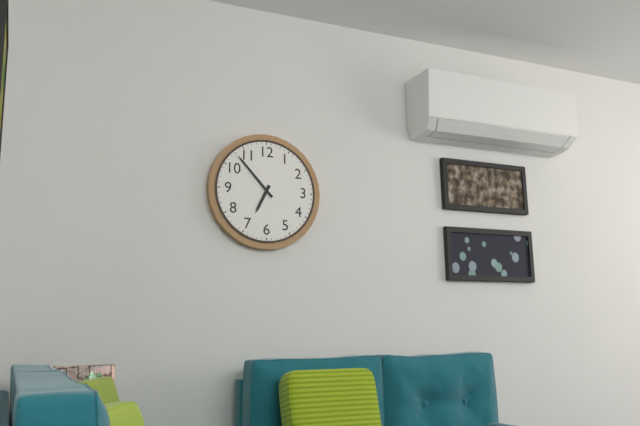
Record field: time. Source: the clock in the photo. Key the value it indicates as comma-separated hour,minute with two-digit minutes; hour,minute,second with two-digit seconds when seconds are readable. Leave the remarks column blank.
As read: 6,53
